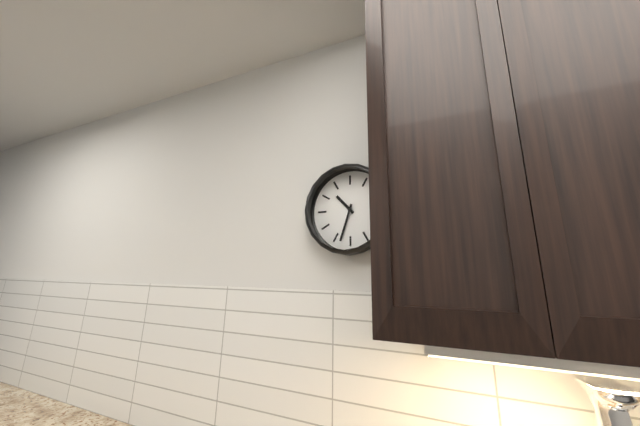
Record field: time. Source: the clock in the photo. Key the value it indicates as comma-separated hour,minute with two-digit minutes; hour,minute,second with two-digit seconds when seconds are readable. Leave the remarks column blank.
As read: 10,33
